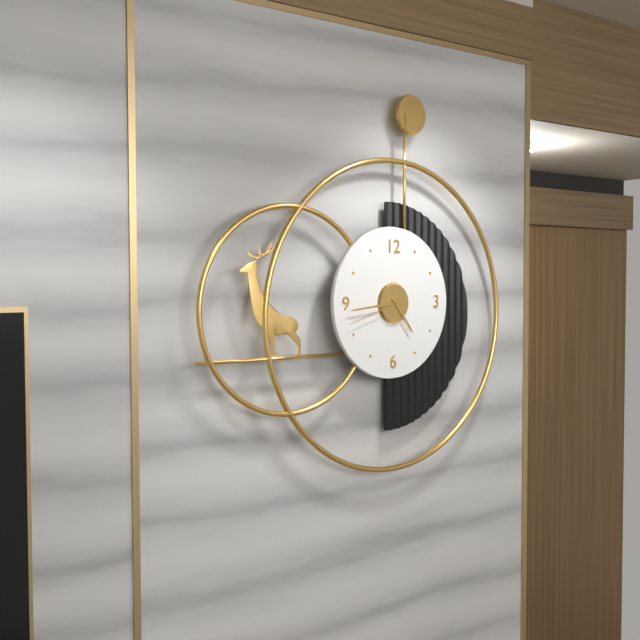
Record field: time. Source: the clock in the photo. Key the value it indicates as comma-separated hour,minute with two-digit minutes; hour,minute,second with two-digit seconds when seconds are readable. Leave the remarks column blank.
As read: 4,44,42
